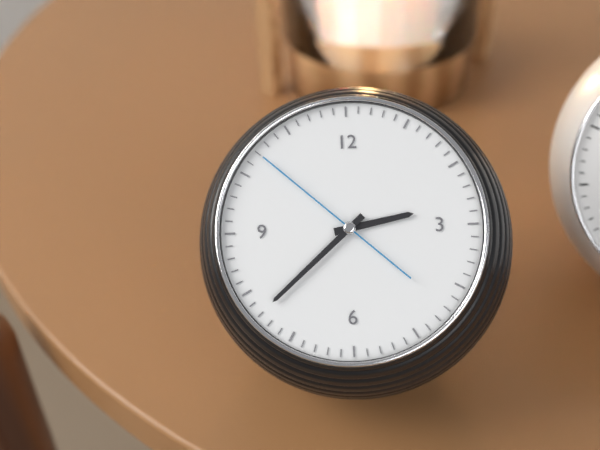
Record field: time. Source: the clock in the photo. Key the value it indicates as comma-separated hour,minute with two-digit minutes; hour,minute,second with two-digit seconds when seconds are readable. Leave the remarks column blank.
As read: 2,38,52
